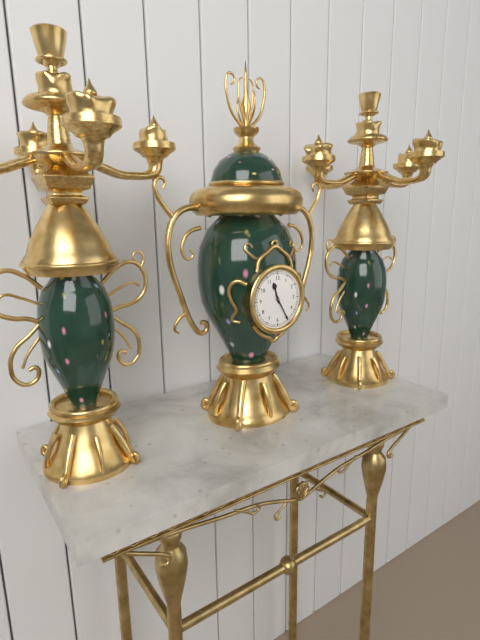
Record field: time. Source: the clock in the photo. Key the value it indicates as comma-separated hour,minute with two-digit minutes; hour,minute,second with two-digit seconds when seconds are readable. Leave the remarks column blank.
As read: 11,25
